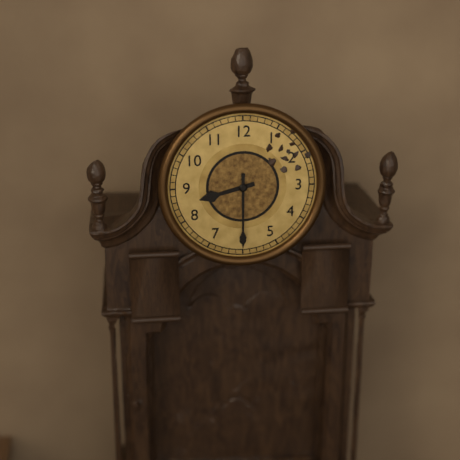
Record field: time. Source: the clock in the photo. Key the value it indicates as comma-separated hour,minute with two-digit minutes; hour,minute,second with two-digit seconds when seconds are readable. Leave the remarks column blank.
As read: 8,30
